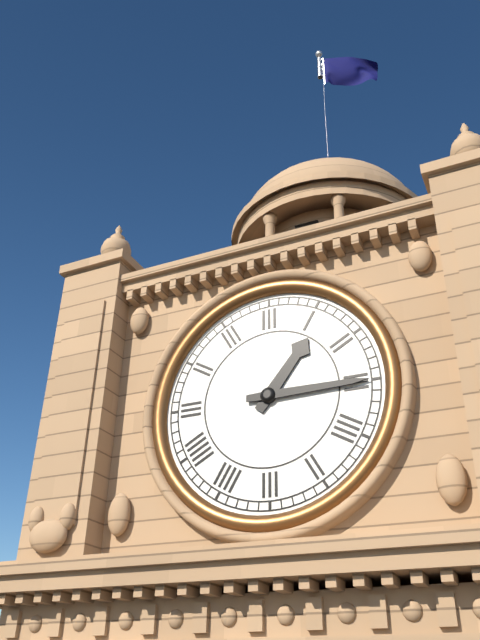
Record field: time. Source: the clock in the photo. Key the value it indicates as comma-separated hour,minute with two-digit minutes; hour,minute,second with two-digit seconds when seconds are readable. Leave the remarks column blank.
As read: 1,15
